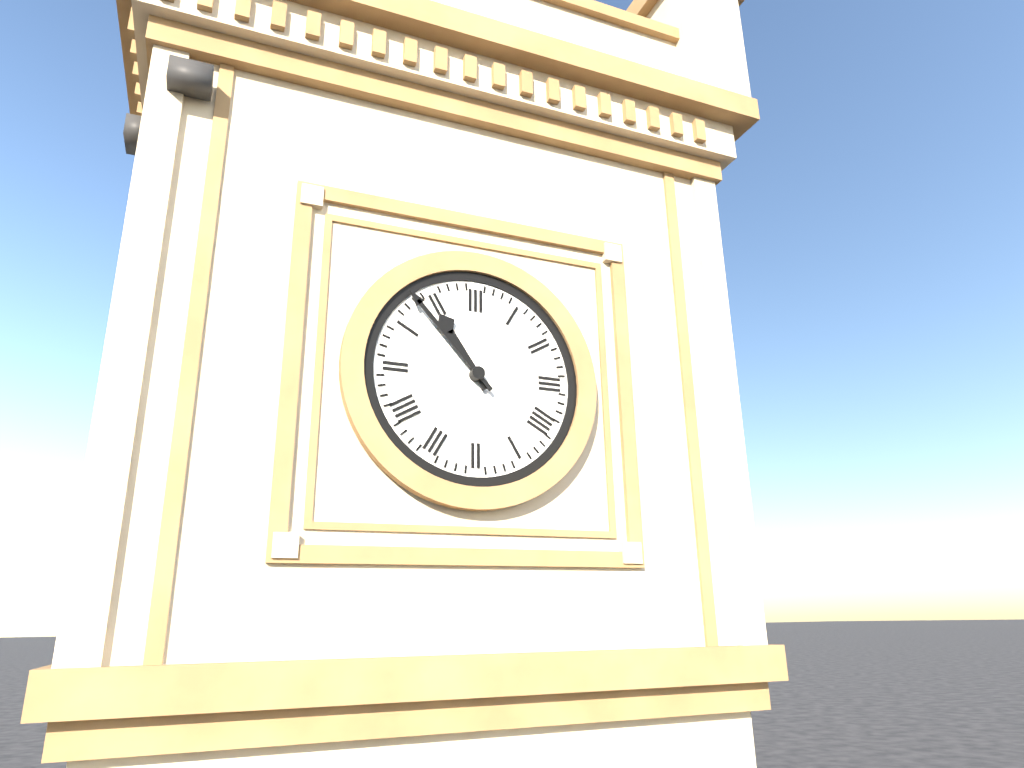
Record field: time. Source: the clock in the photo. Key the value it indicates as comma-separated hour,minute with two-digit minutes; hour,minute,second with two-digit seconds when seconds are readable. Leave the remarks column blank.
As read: 10,53
